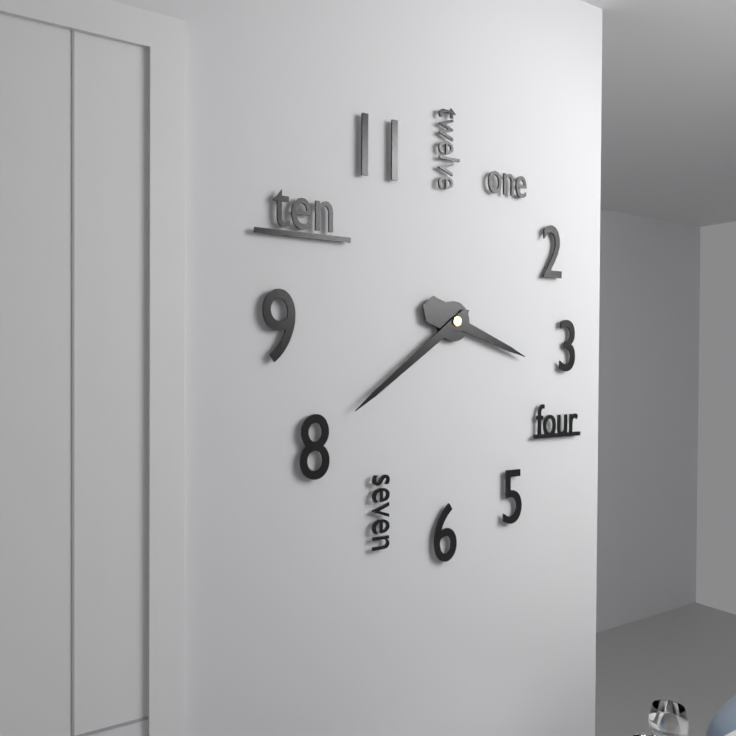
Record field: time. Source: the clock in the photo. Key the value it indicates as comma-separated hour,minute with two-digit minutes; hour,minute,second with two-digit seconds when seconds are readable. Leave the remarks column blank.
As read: 3,39
